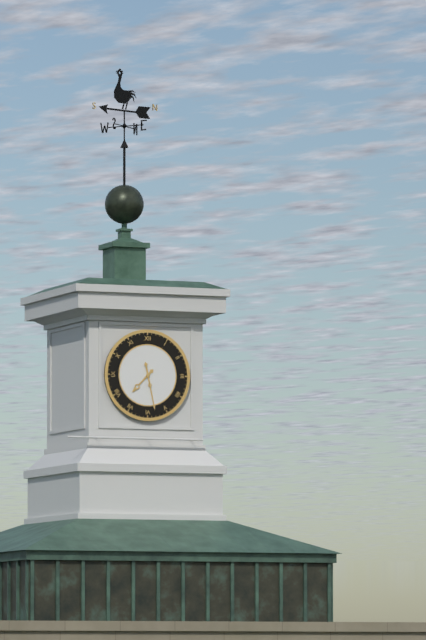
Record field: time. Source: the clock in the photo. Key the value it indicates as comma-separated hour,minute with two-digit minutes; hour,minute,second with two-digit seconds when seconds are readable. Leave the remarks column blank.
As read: 7,28
